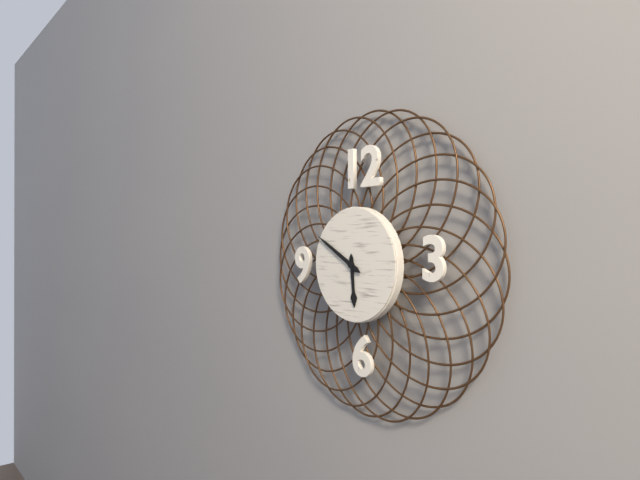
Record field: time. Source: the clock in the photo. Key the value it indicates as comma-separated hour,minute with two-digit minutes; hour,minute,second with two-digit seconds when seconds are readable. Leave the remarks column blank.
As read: 5,50
